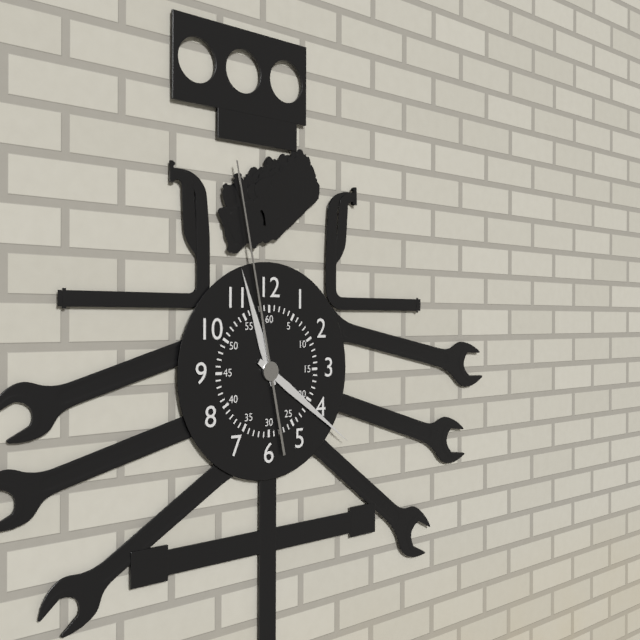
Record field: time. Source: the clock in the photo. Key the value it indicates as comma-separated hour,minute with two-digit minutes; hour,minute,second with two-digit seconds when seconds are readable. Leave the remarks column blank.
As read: 11,21,58
